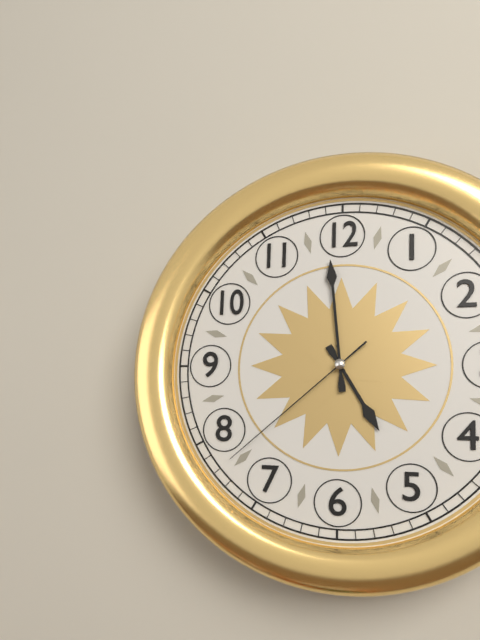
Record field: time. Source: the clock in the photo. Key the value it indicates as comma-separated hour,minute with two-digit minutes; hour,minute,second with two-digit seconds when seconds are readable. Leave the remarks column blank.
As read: 4,59,38
